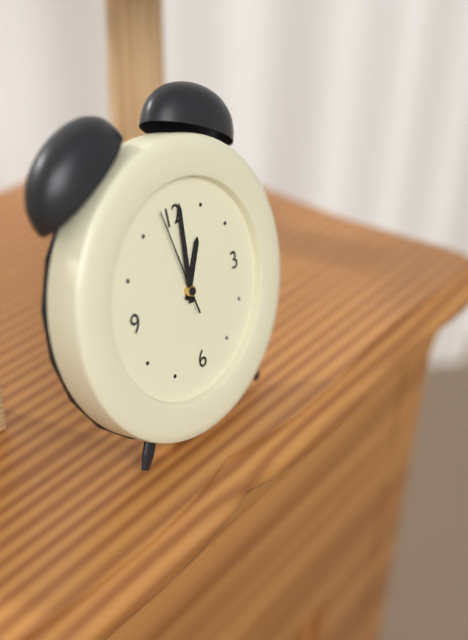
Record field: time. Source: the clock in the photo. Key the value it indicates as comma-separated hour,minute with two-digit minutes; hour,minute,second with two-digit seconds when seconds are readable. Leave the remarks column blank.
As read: 1,01,58
